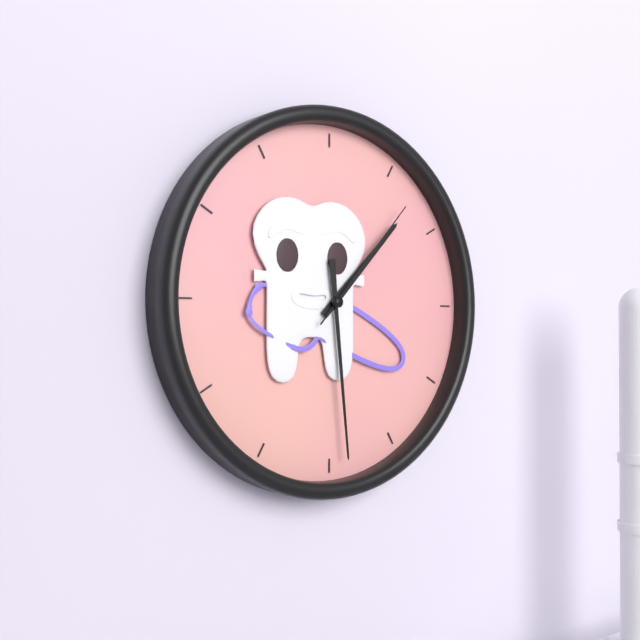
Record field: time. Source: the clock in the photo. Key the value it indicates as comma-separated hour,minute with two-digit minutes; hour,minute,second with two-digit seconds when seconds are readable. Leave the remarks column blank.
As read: 1,29,07
